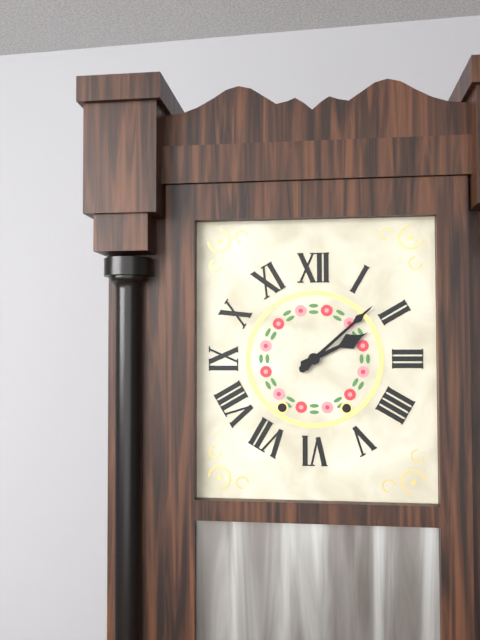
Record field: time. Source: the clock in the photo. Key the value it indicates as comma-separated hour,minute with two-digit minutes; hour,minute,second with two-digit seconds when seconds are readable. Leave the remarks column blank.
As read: 2,08
